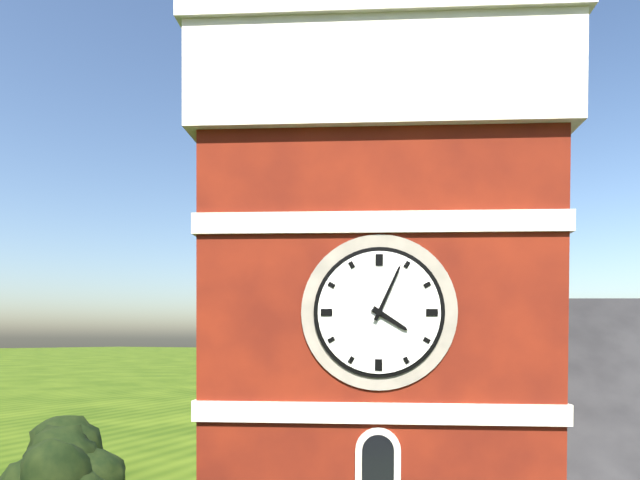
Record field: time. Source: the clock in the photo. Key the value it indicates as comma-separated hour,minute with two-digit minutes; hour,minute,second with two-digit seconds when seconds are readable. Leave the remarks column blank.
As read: 4,04
